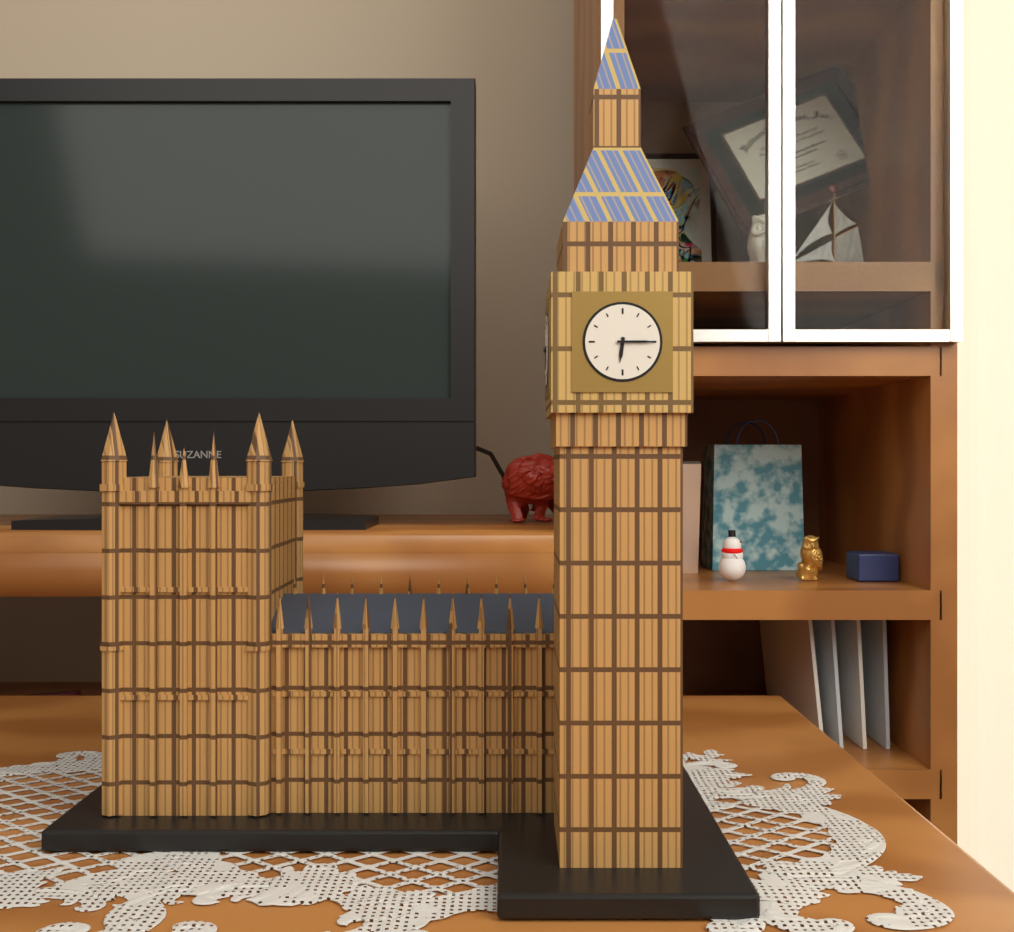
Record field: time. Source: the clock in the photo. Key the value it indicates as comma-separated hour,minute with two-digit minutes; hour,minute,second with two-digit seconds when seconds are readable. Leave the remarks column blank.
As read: 6,15
